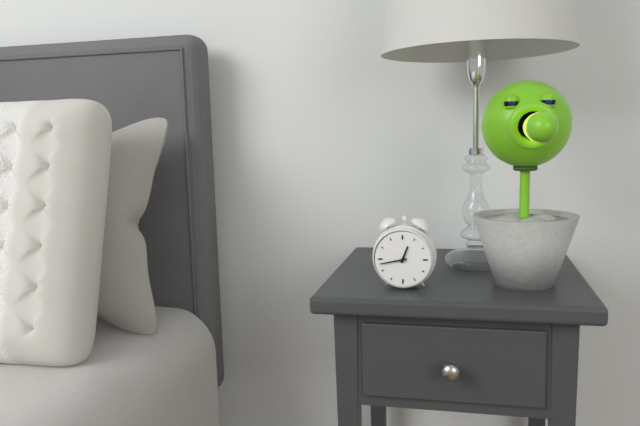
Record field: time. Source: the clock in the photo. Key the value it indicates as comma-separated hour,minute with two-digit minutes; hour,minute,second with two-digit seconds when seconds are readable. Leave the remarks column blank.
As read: 12,43
